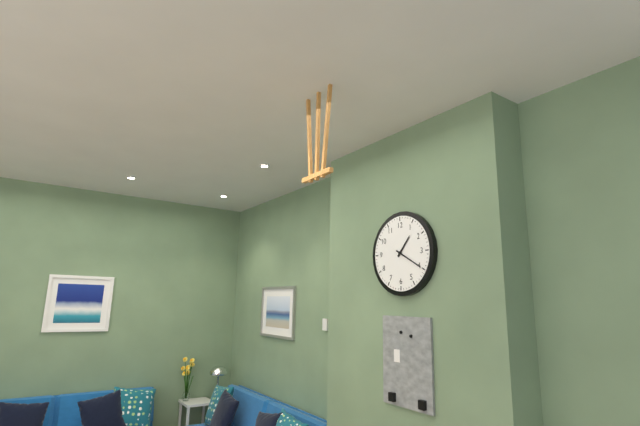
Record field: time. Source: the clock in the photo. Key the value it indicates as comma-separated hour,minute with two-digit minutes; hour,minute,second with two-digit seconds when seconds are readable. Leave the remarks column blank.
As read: 1,20
